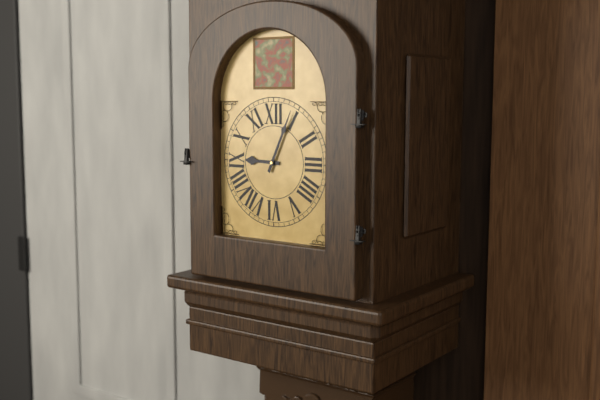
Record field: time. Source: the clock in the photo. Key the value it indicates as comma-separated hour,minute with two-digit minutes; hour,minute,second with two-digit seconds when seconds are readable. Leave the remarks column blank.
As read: 9,04
